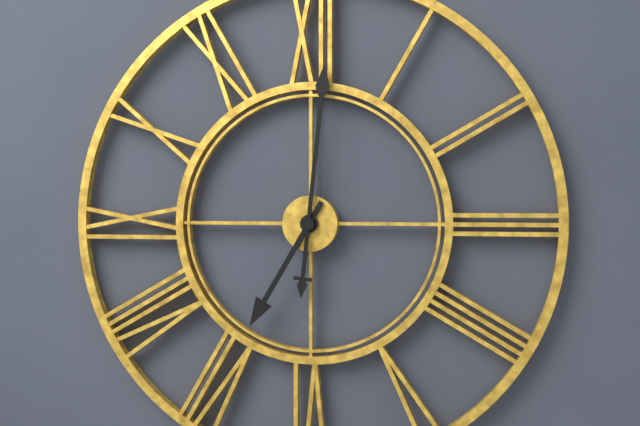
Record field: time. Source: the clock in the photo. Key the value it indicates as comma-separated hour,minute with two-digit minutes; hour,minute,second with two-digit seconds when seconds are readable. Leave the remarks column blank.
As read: 7,01
